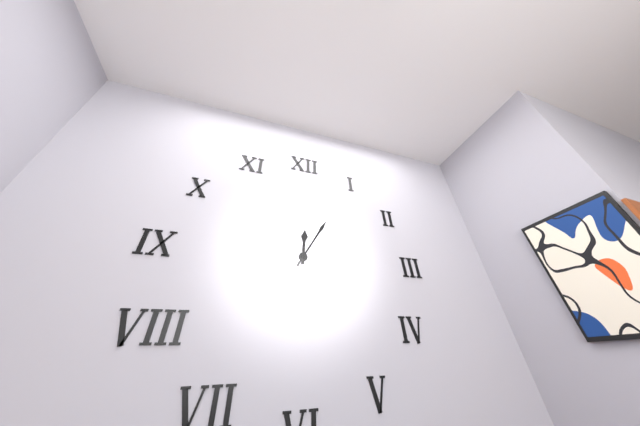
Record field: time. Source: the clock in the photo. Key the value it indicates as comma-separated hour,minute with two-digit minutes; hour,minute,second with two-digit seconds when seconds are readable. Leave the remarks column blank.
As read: 12,05
